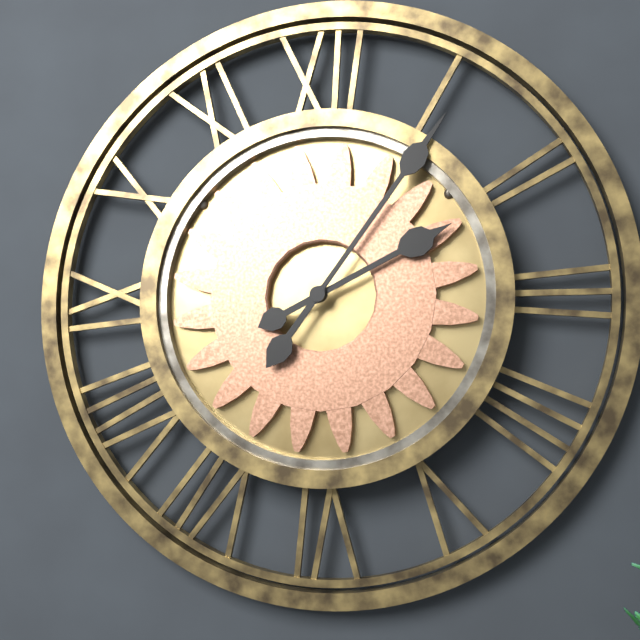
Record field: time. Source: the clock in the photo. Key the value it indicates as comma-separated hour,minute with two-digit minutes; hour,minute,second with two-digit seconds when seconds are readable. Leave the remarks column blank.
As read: 2,06
